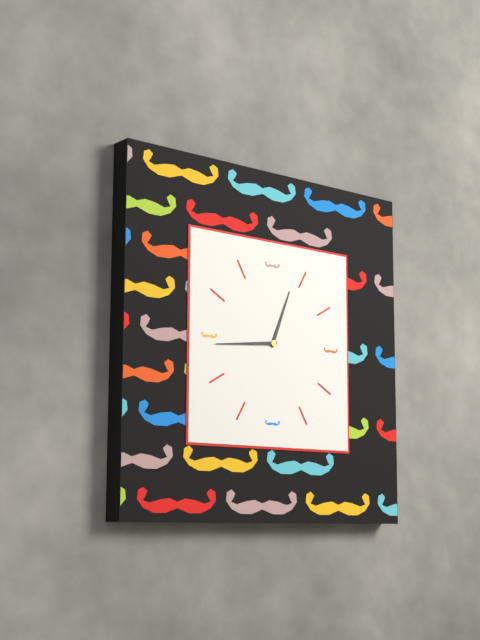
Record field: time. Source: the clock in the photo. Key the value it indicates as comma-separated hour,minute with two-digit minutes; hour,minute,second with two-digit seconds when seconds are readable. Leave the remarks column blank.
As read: 12,44
